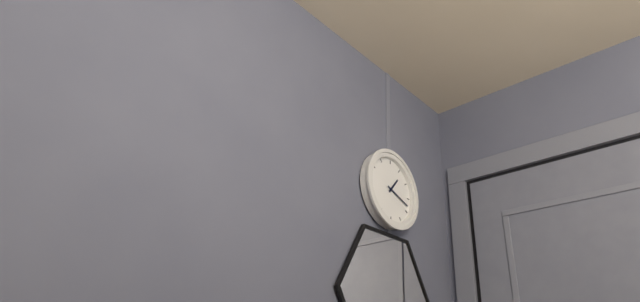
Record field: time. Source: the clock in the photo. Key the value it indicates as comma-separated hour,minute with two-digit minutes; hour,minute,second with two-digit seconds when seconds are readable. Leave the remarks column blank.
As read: 1,18
